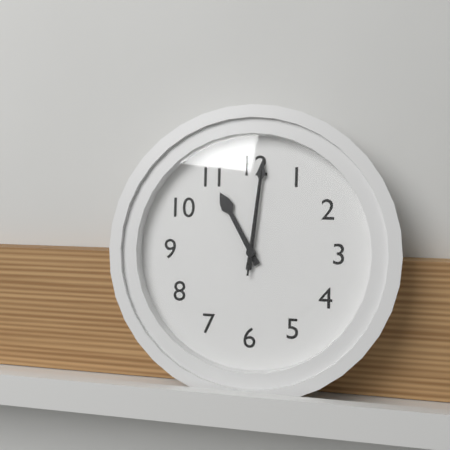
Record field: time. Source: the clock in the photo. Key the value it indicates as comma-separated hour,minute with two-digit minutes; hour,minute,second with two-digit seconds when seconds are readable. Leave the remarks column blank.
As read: 11,01,01
